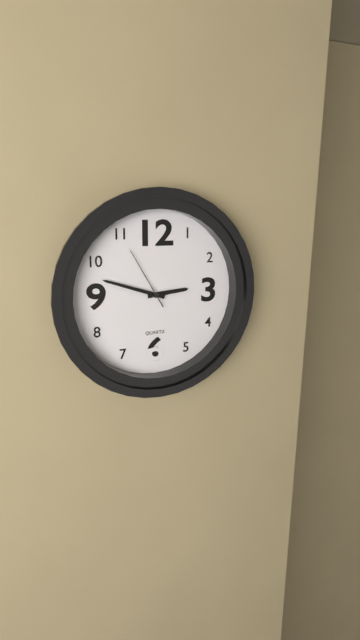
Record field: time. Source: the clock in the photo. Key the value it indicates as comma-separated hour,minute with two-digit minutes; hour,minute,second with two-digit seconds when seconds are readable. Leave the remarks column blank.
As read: 2,48,55
